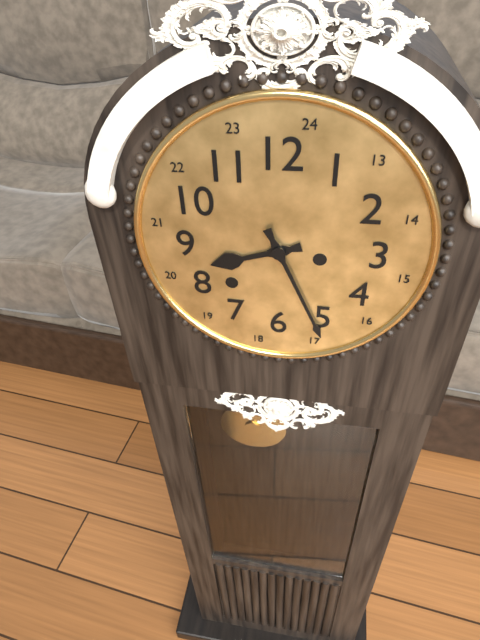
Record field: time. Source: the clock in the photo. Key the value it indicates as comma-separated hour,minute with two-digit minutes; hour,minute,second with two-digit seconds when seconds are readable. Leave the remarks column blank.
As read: 8,26
